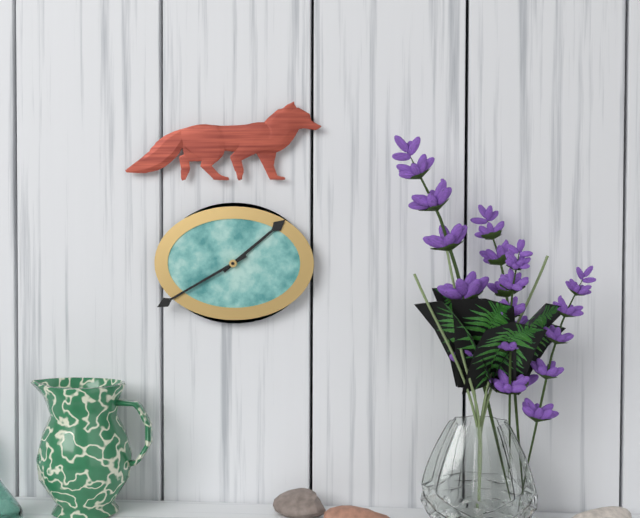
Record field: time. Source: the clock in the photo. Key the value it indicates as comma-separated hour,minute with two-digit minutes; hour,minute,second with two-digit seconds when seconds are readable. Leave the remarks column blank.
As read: 1,40
